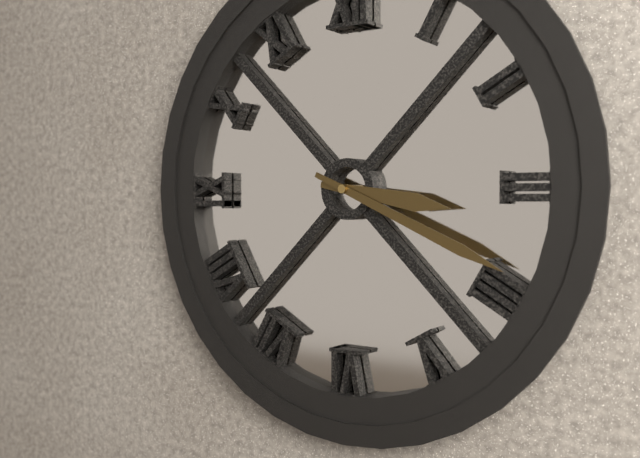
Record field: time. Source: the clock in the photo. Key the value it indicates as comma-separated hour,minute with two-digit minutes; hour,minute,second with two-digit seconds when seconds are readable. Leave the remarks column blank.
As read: 3,19
